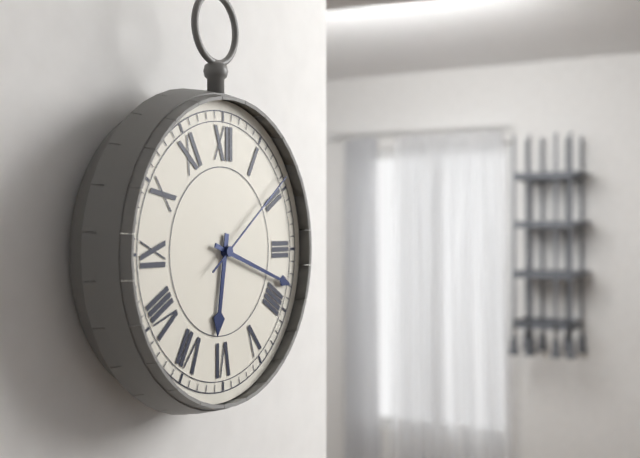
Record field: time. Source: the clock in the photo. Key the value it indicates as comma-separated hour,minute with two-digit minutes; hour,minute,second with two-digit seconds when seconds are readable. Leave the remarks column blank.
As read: 6,18,09
